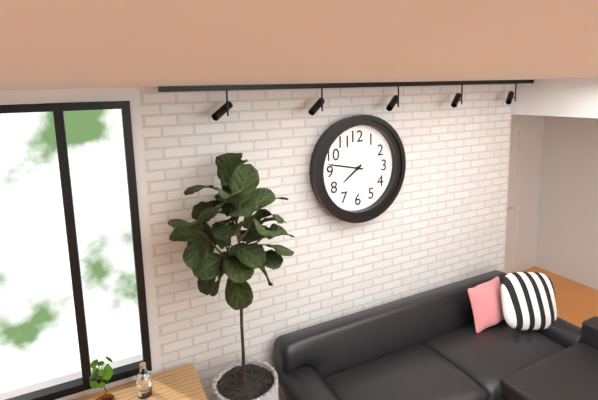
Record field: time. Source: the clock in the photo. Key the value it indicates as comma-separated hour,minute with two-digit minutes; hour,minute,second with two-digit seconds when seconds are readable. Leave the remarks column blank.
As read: 7,47
